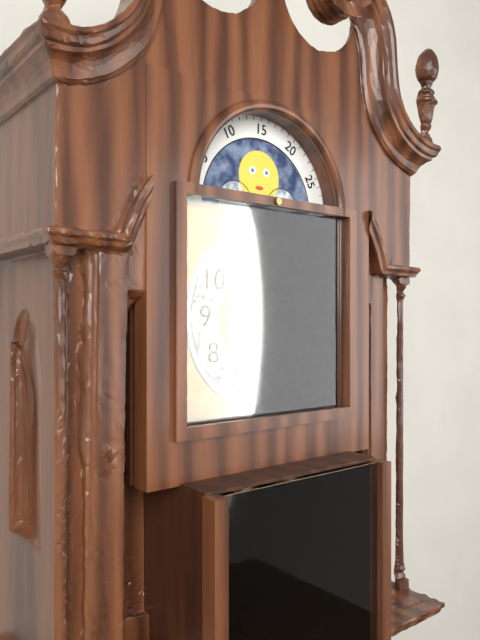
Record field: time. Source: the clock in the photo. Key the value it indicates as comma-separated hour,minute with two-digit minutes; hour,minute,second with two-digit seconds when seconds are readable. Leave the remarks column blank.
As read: 5,30
